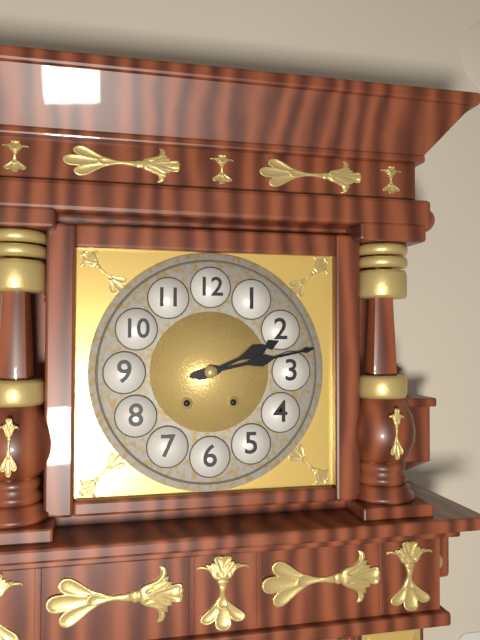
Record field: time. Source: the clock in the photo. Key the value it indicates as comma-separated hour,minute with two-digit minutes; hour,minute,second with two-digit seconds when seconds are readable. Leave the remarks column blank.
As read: 2,13
